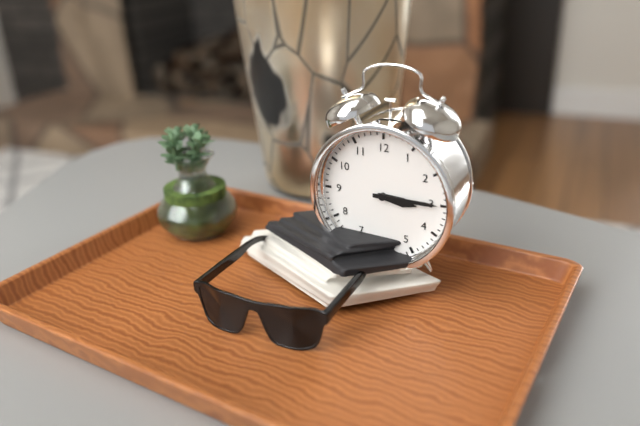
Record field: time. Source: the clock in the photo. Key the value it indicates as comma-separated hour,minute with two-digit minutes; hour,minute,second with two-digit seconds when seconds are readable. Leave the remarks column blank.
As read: 3,15
